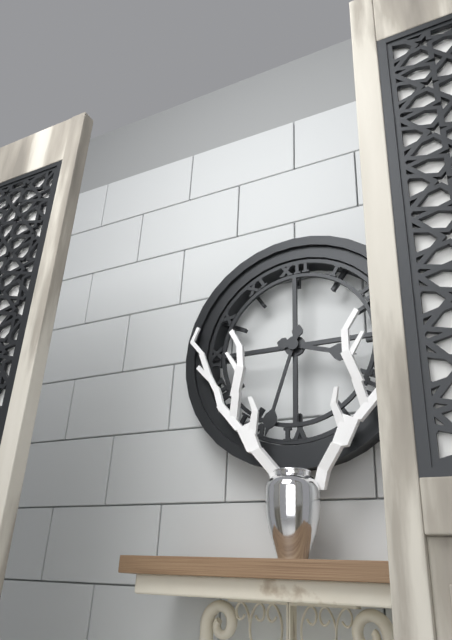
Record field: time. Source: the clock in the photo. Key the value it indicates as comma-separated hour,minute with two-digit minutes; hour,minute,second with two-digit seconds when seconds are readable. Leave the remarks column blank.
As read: 3,33
